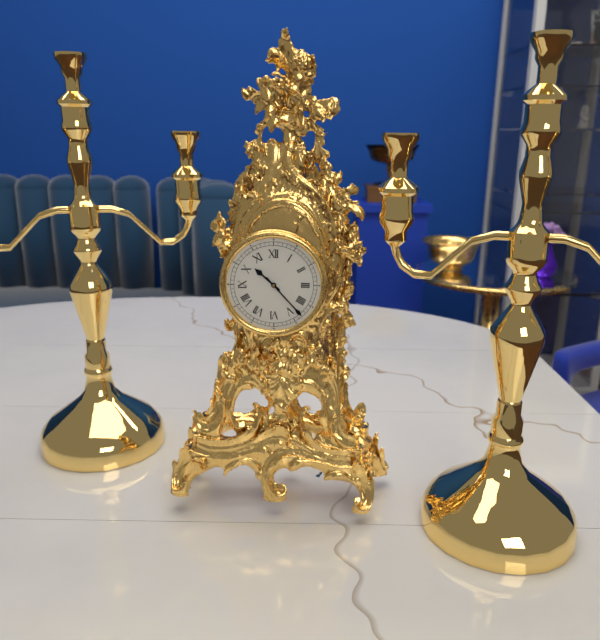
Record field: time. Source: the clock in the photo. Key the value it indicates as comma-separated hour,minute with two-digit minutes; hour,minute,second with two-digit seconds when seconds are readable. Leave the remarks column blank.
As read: 10,23
